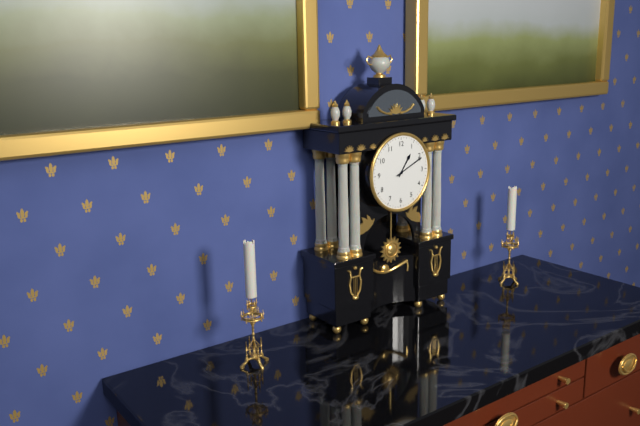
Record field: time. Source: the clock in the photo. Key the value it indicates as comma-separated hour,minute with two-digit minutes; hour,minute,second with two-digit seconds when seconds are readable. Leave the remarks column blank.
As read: 1,11
